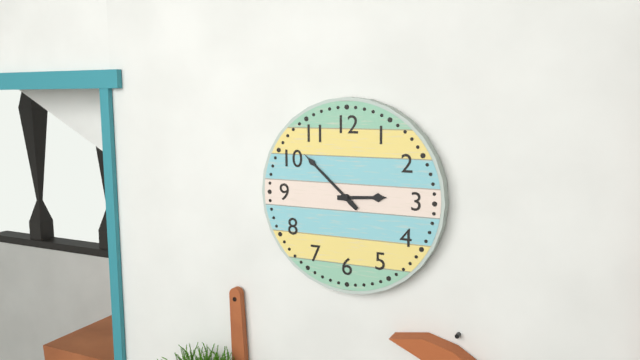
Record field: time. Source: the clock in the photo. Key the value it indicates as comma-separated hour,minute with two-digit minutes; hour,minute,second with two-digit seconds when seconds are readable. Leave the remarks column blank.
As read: 2,52
